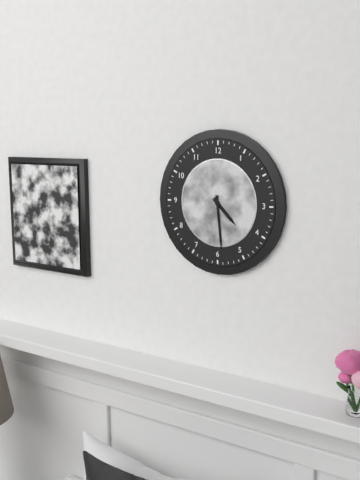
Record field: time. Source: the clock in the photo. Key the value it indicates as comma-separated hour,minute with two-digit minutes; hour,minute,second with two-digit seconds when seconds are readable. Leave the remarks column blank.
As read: 4,29
